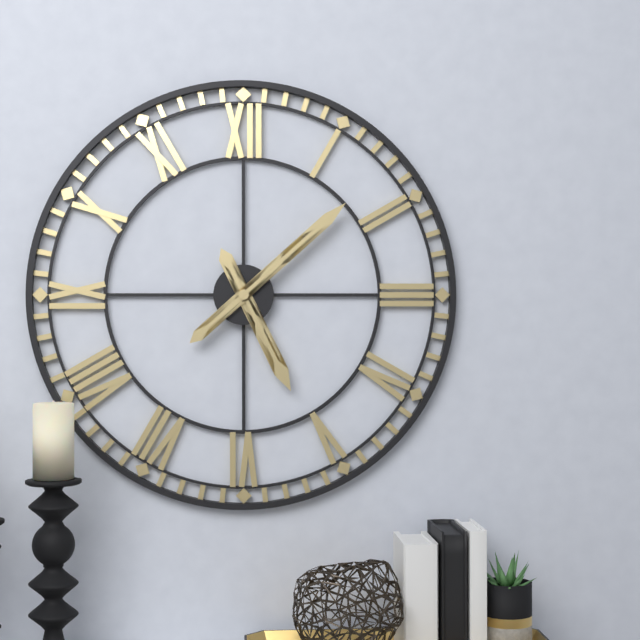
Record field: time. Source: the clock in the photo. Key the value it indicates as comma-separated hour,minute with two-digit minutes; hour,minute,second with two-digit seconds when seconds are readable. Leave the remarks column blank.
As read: 5,08
